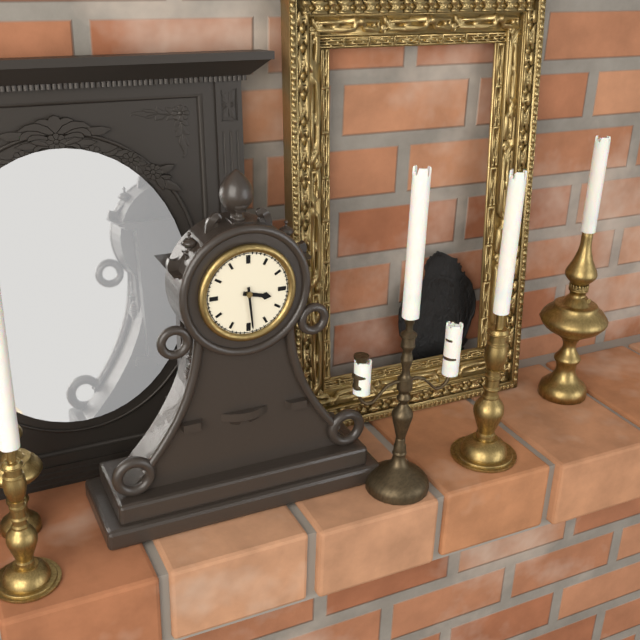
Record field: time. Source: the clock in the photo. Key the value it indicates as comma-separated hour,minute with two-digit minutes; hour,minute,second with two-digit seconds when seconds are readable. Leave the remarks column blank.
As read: 3,29
